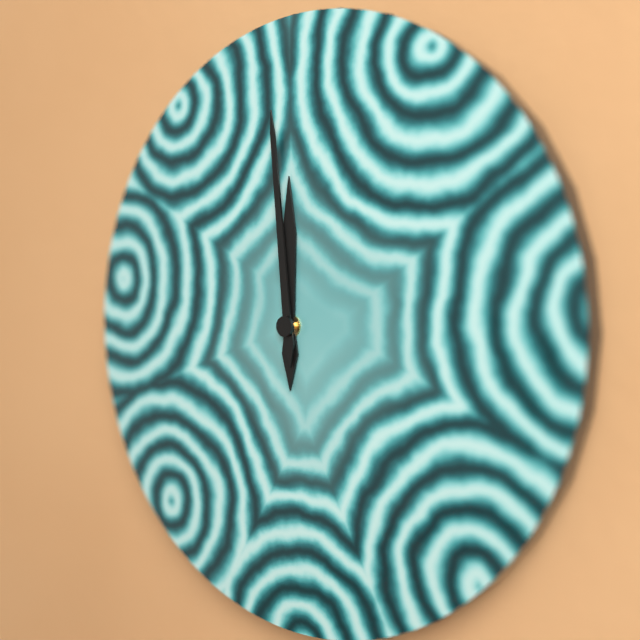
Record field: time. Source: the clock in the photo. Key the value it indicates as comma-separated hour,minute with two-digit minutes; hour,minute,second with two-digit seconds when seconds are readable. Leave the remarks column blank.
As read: 11,59
